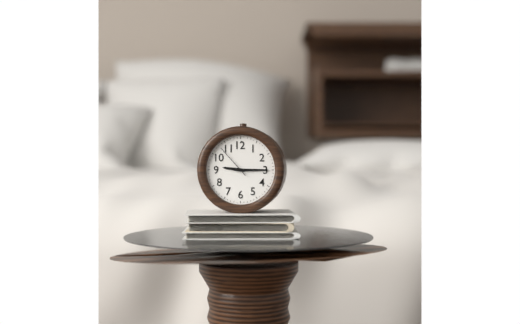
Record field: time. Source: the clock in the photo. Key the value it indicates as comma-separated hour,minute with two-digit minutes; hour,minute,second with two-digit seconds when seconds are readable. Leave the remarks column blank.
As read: 9,15
